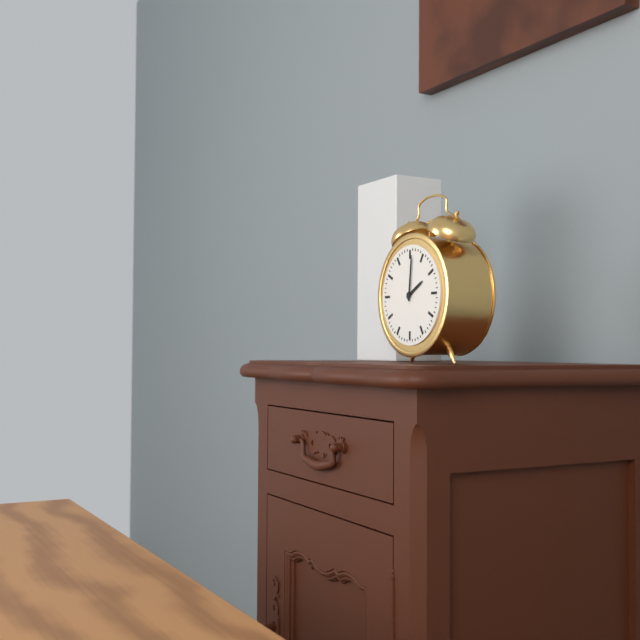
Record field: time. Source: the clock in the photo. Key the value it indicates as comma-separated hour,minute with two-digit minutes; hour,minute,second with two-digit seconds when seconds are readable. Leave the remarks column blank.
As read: 2,01
